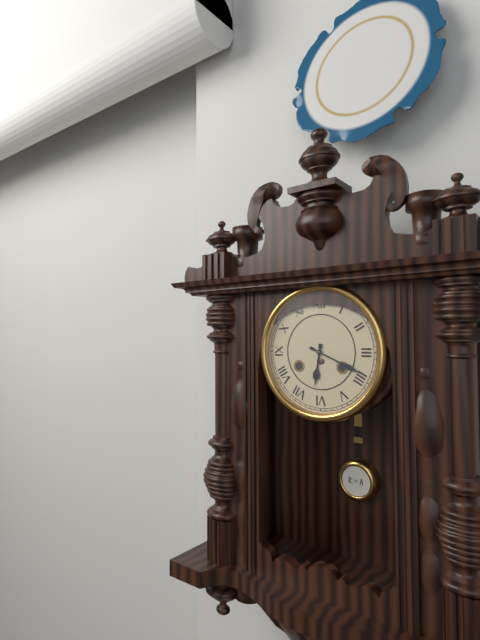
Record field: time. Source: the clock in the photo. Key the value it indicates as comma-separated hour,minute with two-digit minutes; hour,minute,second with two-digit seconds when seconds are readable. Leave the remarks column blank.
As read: 6,19
